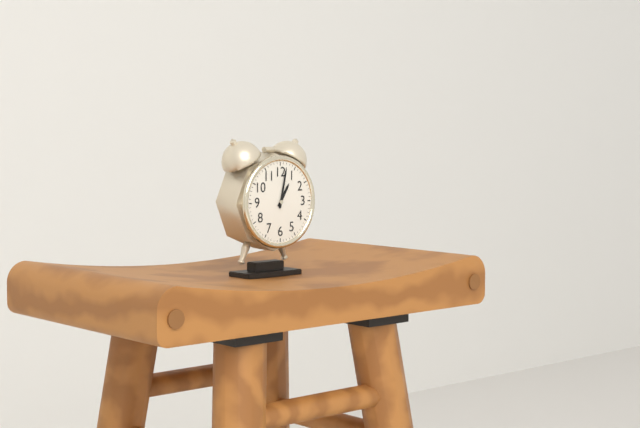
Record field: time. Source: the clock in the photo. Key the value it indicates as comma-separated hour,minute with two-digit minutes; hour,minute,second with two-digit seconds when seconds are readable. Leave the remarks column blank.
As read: 1,02
